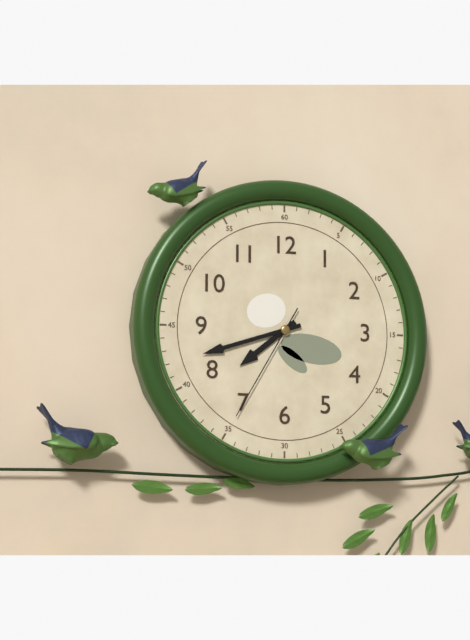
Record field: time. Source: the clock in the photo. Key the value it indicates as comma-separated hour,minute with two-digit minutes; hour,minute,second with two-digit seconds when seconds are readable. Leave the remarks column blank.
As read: 7,42,35
